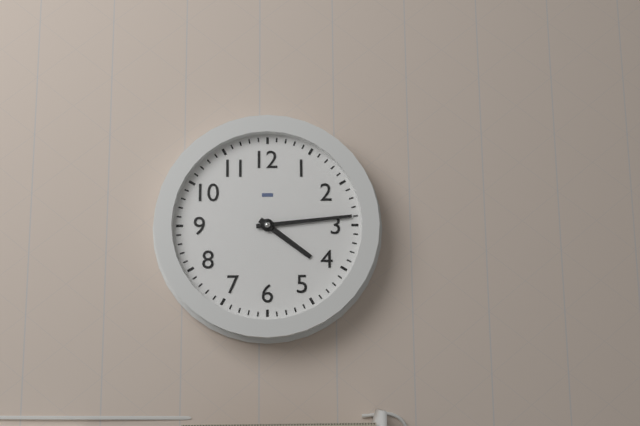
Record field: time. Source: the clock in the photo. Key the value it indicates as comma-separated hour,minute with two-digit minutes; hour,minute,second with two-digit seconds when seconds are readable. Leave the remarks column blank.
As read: 4,14
